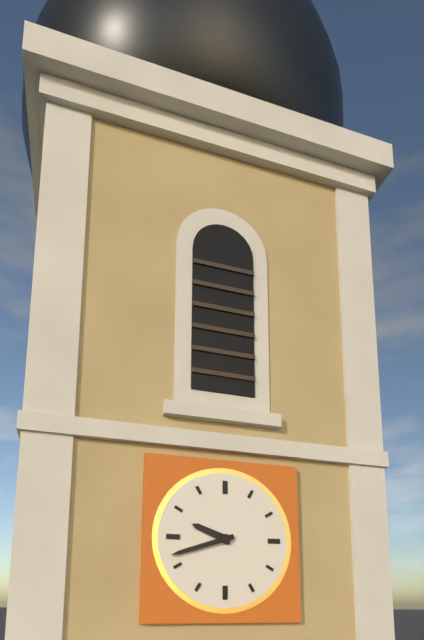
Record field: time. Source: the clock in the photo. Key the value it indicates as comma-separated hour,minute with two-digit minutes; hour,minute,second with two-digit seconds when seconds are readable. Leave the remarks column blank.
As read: 9,42
